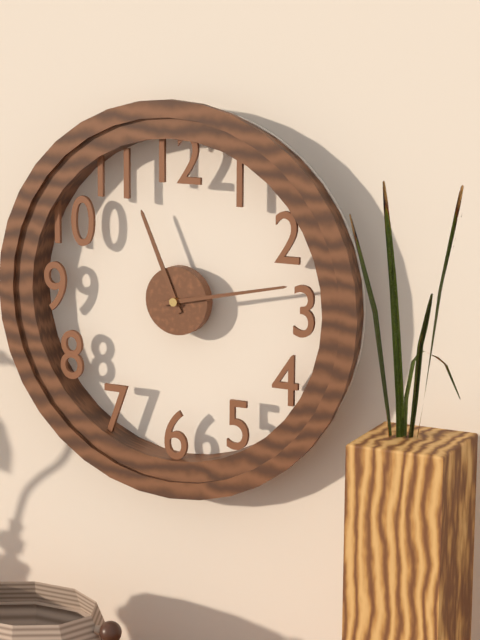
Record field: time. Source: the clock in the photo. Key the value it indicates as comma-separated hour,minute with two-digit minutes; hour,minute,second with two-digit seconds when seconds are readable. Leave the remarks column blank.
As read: 11,13
